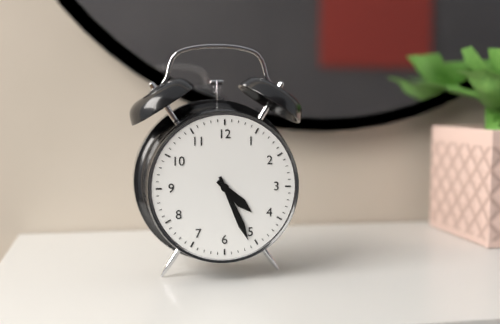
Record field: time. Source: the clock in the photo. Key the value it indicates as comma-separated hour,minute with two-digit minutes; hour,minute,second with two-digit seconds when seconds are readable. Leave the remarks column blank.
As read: 4,26
